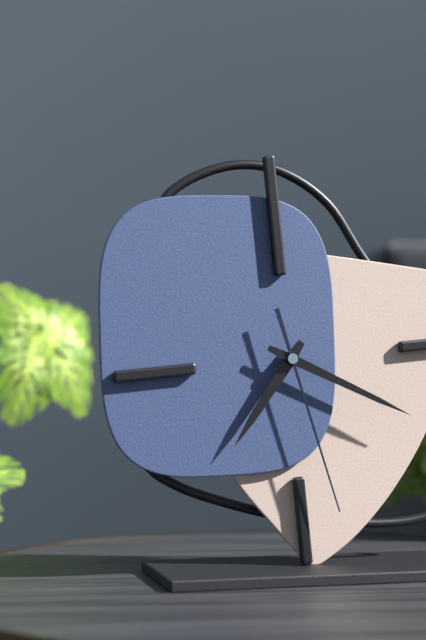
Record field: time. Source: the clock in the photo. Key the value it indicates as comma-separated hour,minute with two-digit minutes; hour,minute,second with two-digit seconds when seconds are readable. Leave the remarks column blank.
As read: 7,20,28
